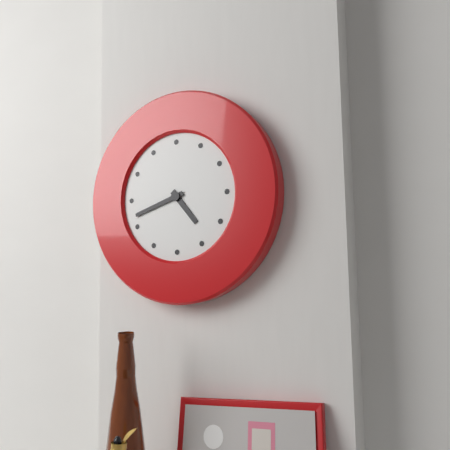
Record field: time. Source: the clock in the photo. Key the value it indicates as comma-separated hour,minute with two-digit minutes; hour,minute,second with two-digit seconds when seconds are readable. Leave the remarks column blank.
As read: 4,42
